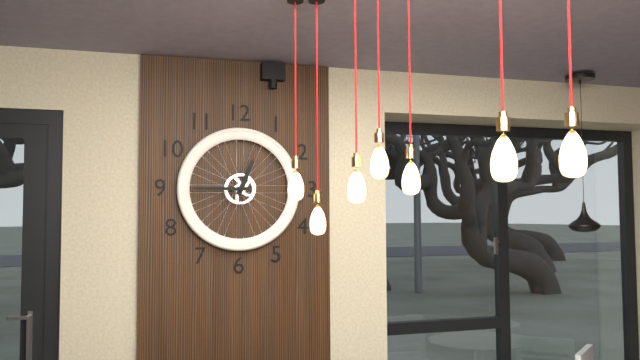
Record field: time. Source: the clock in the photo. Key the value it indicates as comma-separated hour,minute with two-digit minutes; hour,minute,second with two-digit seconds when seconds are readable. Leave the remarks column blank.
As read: 12,45
